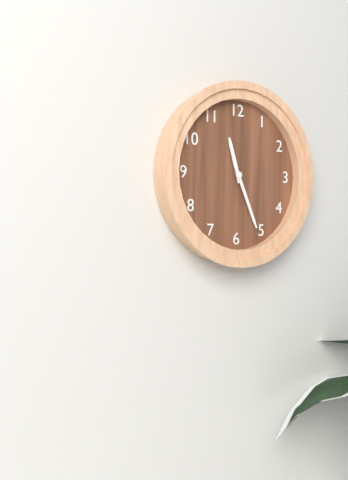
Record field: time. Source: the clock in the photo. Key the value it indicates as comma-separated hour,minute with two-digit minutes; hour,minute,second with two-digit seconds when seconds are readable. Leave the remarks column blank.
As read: 11,26
